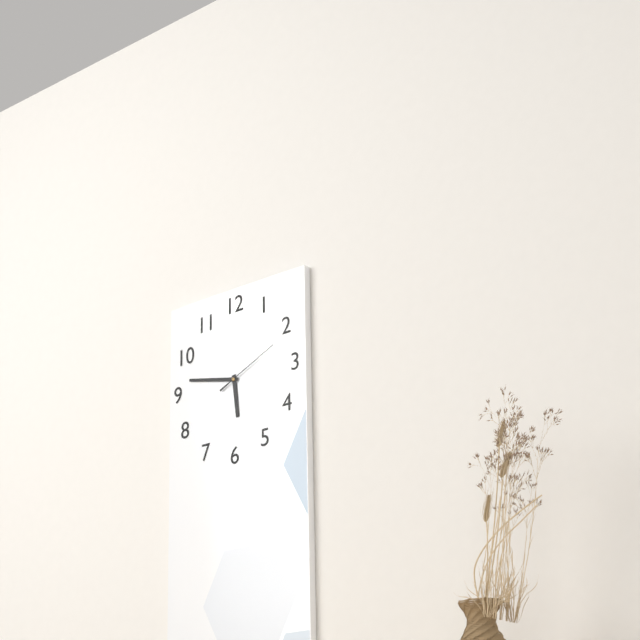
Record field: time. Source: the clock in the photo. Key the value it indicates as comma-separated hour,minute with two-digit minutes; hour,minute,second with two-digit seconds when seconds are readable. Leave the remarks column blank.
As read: 5,47,11
